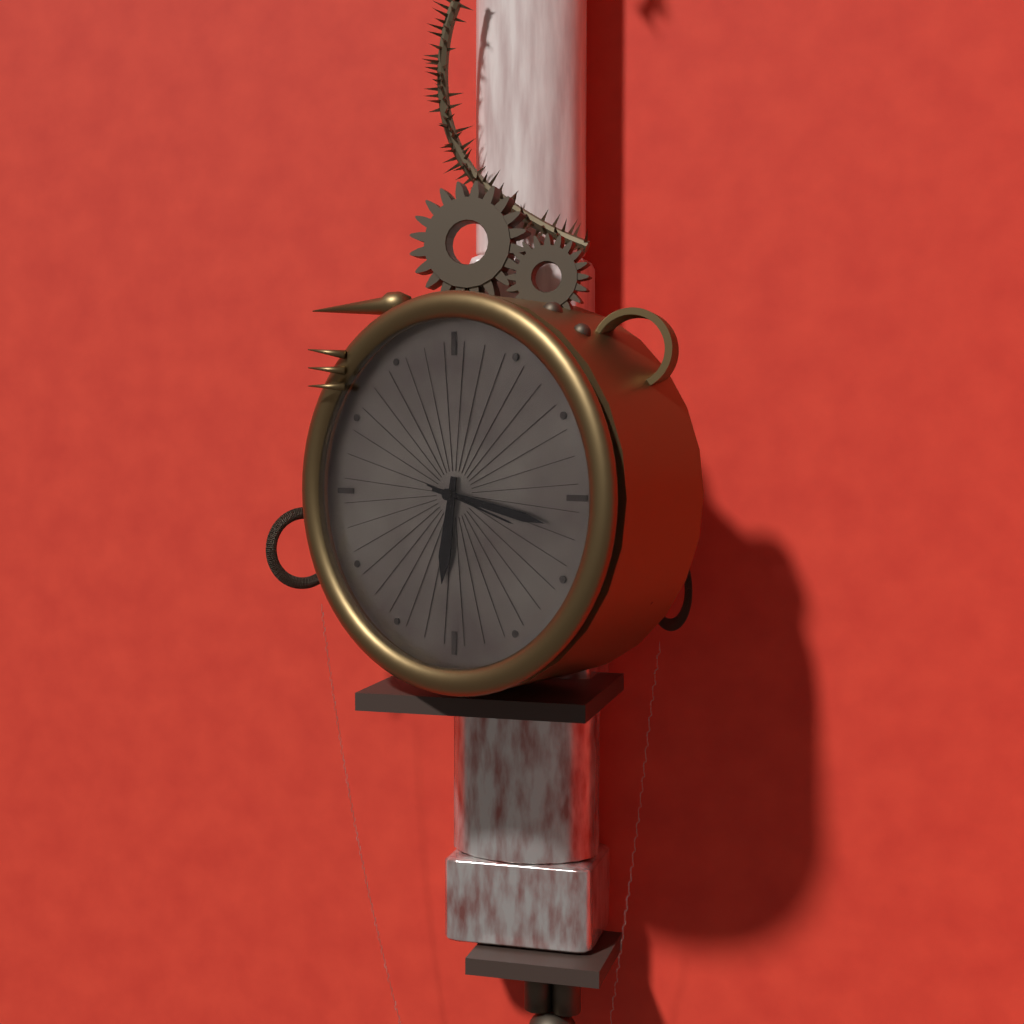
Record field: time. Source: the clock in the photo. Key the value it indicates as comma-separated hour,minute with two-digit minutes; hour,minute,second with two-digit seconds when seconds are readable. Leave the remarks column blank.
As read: 6,17,18
